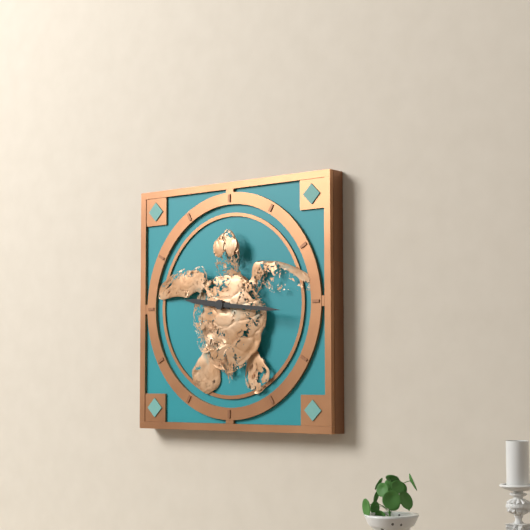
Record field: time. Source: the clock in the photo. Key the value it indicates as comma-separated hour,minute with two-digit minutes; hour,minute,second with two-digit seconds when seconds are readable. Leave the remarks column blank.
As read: 9,16
